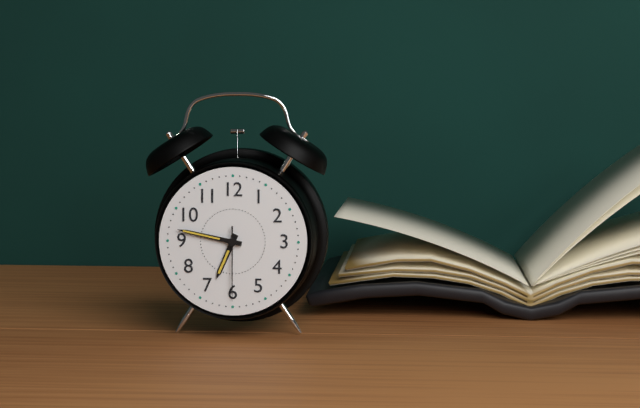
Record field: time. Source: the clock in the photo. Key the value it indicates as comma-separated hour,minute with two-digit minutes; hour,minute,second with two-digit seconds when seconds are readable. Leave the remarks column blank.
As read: 6,47,30
